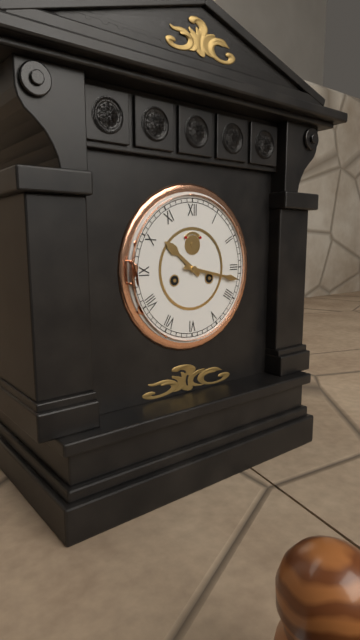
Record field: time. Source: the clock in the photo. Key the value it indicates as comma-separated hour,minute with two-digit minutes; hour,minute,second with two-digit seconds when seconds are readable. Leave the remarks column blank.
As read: 10,17
